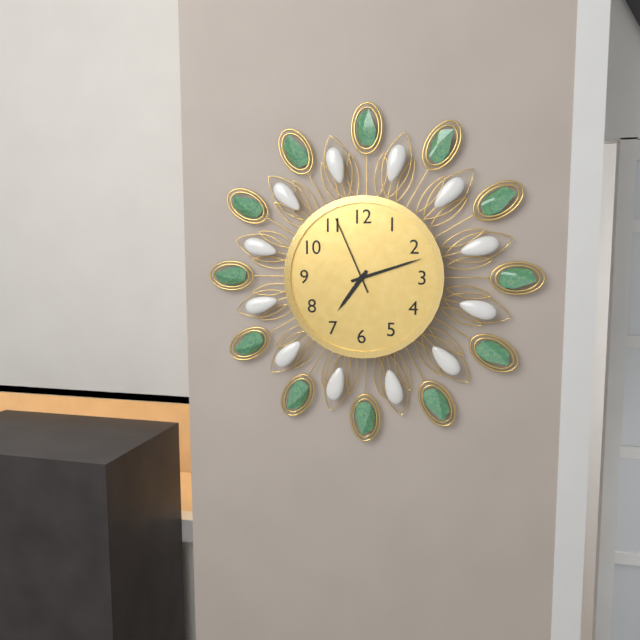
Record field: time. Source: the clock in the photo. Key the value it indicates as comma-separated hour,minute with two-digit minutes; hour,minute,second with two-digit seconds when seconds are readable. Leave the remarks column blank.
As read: 7,12,56
